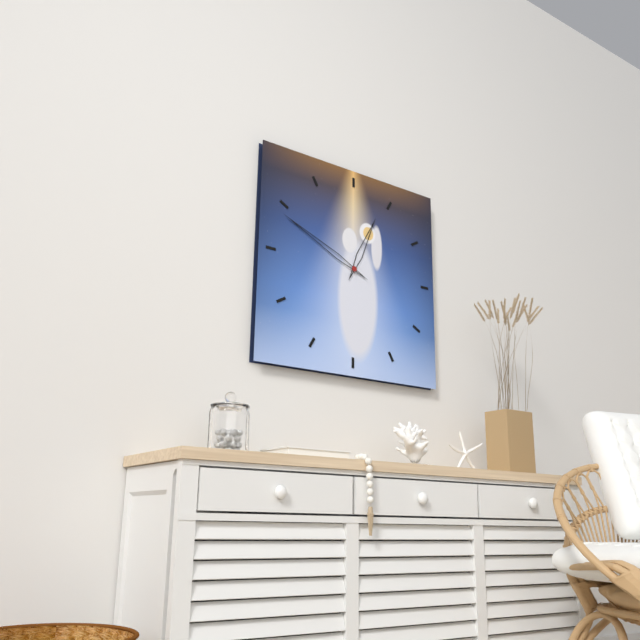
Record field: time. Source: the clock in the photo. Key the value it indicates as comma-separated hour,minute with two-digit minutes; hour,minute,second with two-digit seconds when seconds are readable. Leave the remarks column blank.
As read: 12,49
